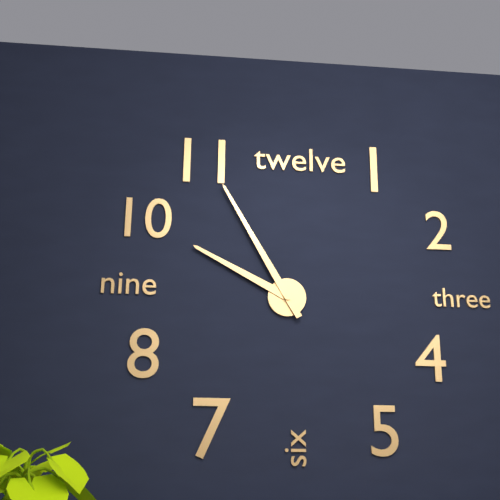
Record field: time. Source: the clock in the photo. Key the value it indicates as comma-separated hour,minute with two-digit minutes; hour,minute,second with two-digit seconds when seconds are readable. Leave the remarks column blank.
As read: 9,55
